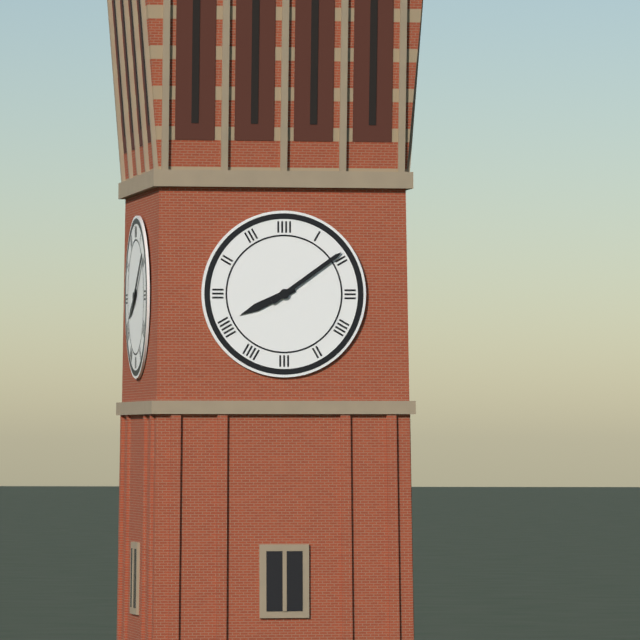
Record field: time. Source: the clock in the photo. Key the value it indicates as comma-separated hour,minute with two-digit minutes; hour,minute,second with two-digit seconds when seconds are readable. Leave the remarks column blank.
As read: 8,09
